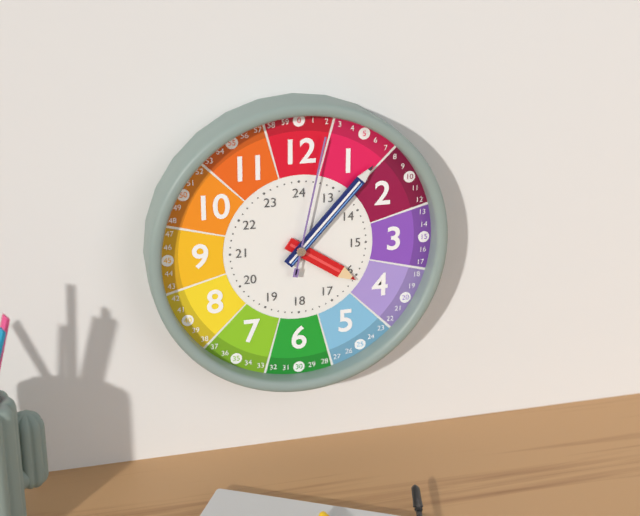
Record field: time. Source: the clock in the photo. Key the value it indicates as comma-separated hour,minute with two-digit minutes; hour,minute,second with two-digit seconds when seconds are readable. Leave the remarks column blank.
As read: 4,07,02
